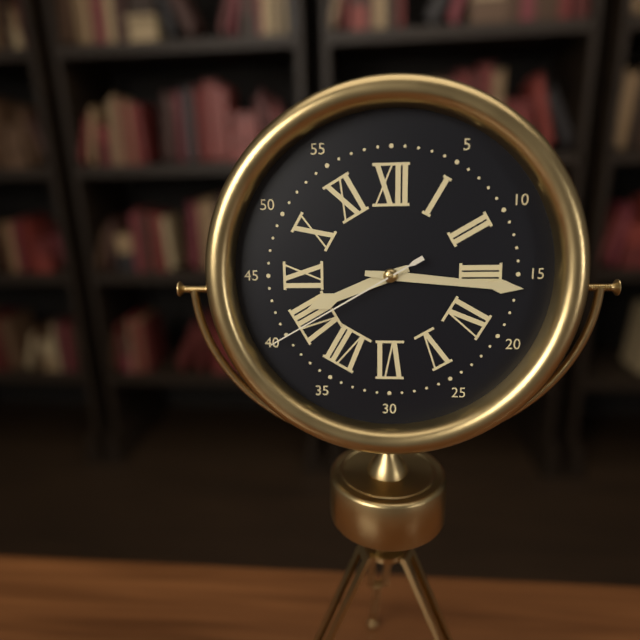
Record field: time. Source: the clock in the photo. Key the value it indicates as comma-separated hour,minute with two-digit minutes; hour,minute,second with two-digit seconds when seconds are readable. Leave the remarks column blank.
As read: 8,16,40
